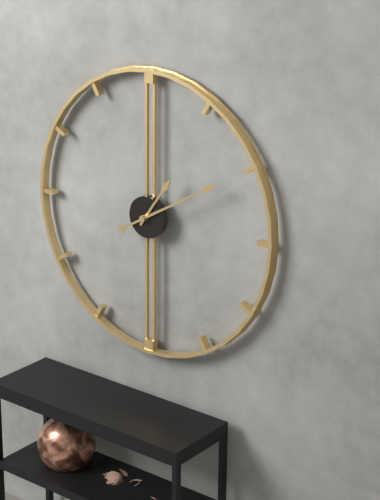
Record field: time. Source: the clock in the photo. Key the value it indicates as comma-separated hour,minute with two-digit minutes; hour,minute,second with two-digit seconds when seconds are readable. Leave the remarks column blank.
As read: 1,10
